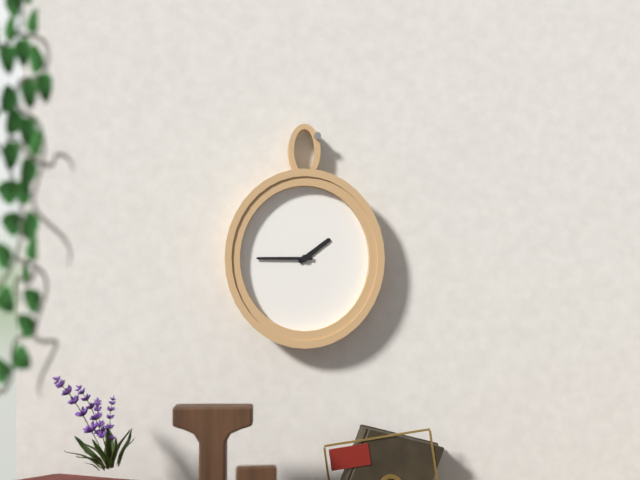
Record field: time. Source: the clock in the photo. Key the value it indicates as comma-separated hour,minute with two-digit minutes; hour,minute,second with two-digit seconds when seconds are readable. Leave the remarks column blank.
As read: 1,45
